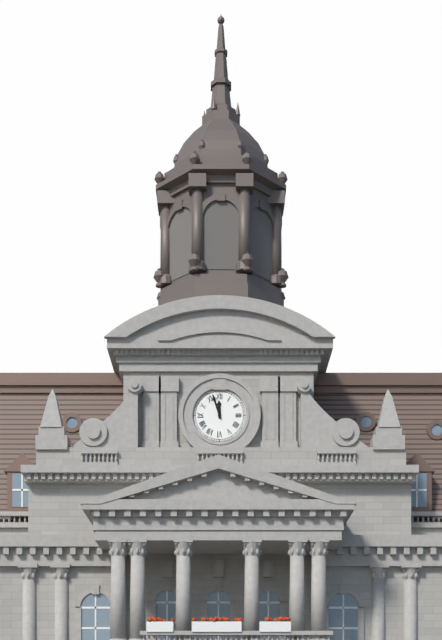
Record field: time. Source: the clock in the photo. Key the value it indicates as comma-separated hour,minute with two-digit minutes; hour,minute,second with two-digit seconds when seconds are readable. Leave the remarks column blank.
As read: 11,57
